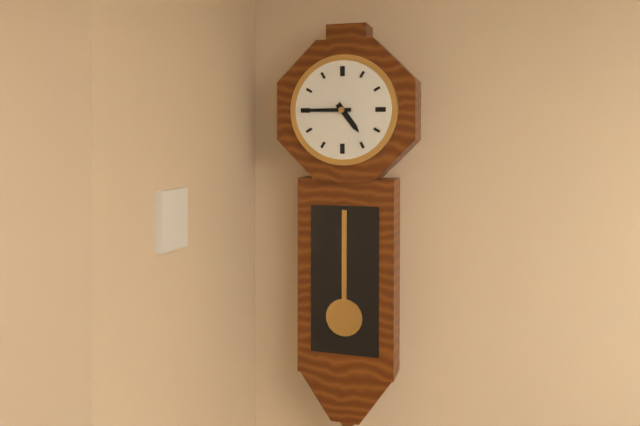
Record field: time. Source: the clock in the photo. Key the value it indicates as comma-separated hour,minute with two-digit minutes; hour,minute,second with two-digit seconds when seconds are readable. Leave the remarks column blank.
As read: 4,45
